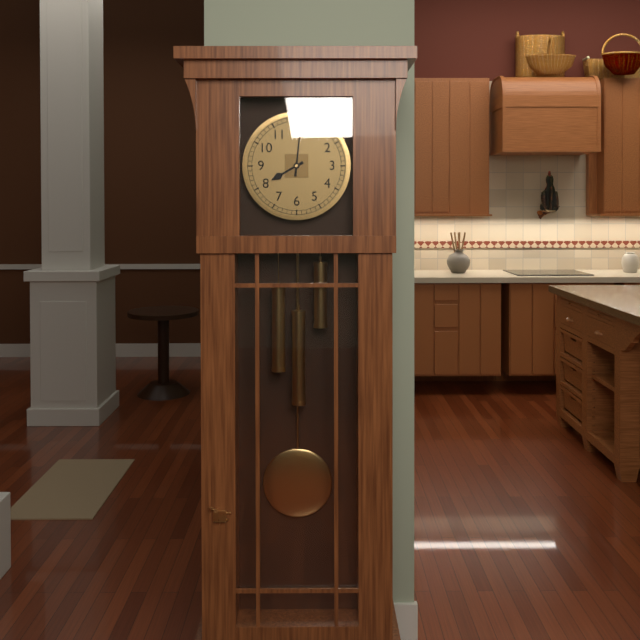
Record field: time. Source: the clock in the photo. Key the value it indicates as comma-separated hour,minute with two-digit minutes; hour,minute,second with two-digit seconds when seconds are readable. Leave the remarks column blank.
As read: 8,01
